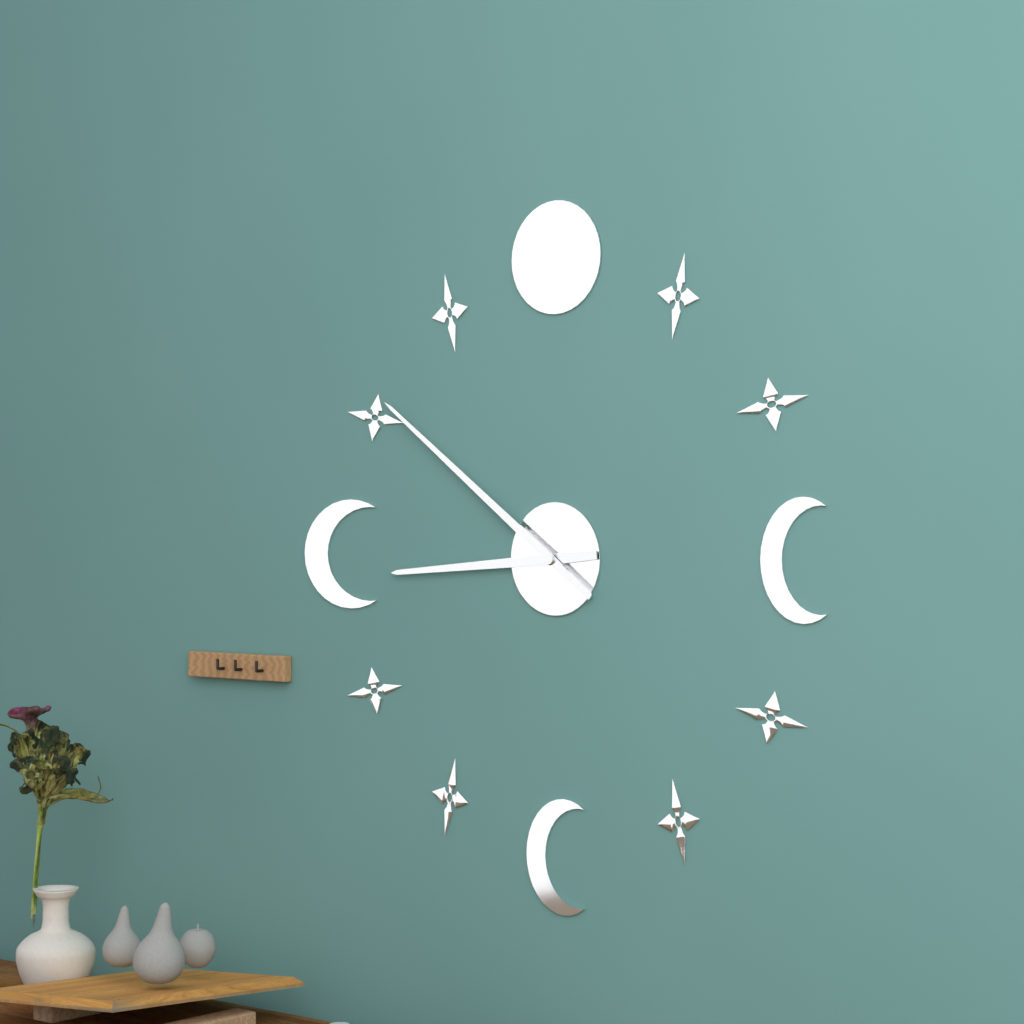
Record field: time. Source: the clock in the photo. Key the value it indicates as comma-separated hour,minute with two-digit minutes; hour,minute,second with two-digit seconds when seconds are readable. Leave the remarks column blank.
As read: 8,51
